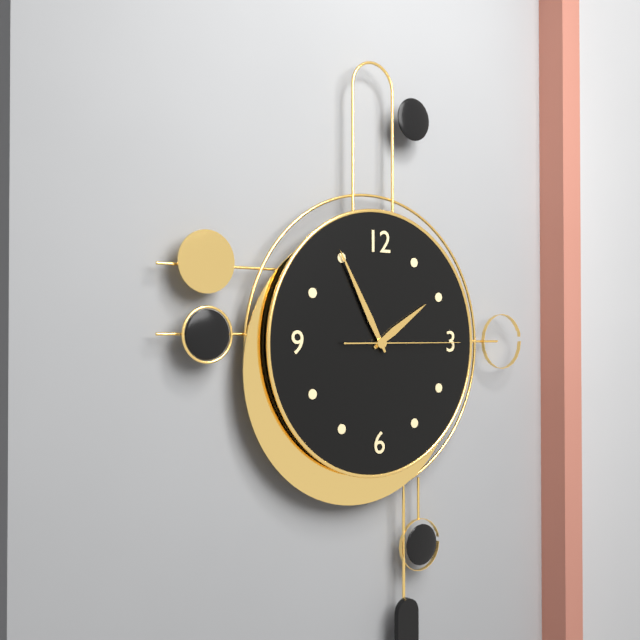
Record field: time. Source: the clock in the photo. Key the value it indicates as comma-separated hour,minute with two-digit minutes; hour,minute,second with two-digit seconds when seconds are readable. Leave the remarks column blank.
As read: 1,55,15
